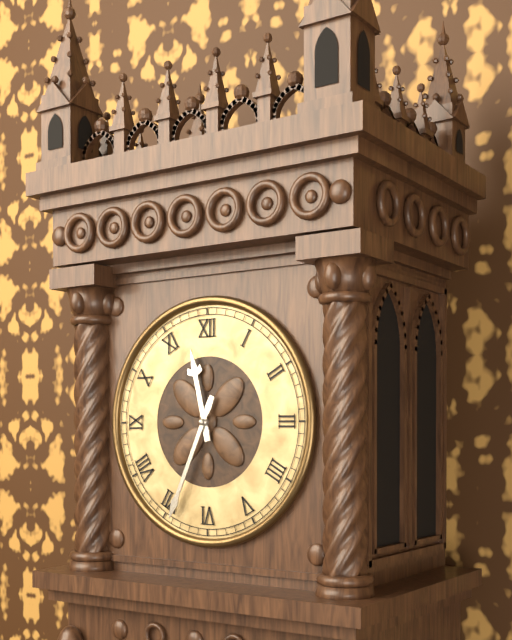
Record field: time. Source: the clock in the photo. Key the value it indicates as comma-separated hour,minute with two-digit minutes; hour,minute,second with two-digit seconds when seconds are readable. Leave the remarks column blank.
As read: 11,34
